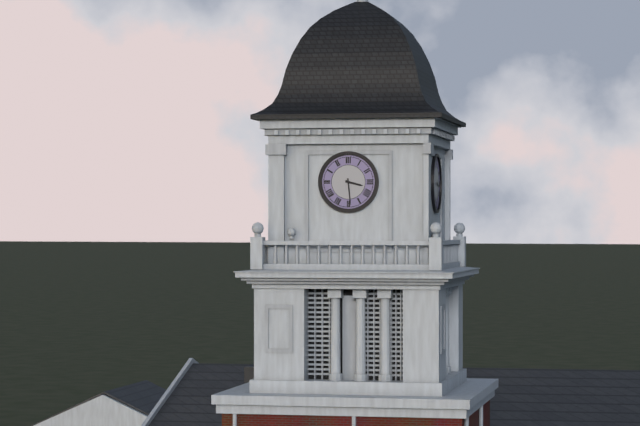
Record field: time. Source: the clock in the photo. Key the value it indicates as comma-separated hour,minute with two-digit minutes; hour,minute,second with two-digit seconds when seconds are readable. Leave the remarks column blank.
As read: 3,29
